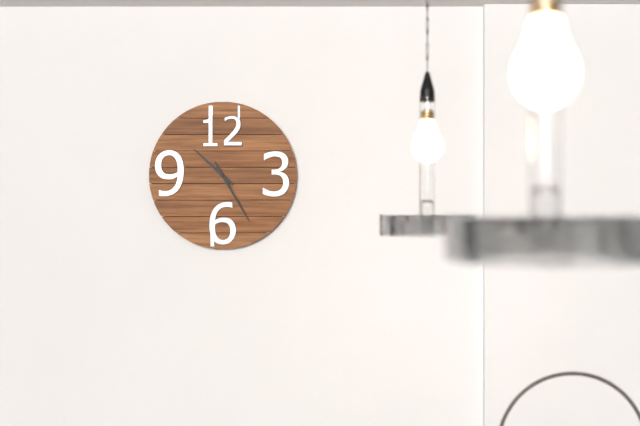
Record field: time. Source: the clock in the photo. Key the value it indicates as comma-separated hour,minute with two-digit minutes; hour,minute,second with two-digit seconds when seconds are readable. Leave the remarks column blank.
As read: 10,25
